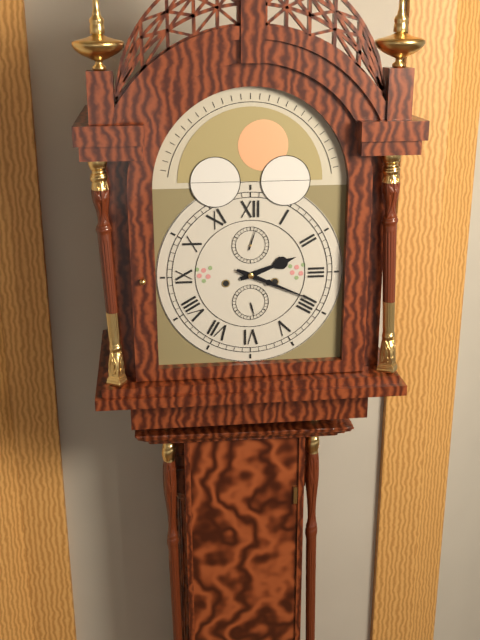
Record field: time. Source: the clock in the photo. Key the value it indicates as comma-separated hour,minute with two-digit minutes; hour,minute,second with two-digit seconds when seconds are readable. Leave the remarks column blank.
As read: 2,19
